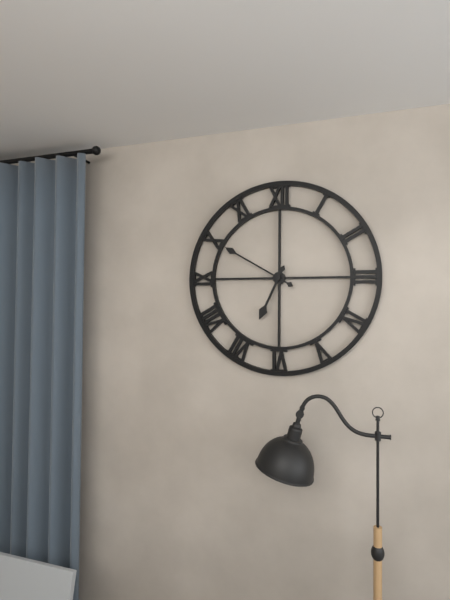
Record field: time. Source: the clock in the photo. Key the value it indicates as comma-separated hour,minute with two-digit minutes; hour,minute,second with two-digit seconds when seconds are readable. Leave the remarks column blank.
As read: 6,50
